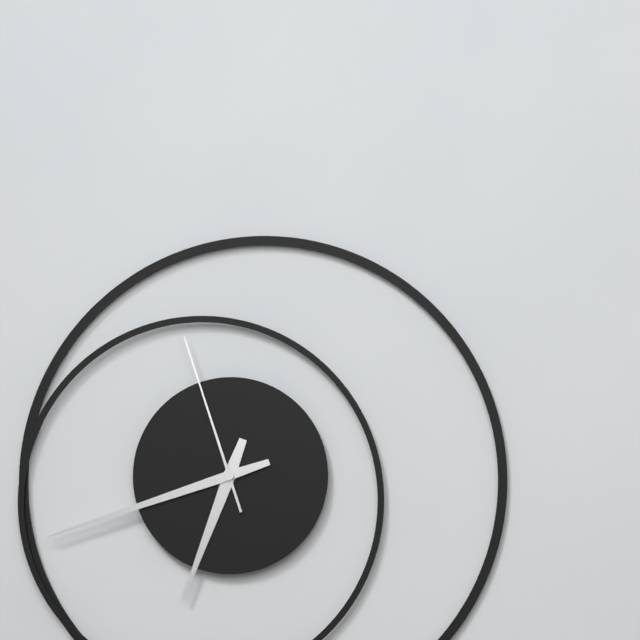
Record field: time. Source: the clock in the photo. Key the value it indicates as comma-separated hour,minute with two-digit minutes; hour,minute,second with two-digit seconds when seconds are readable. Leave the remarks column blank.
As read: 6,42,57
